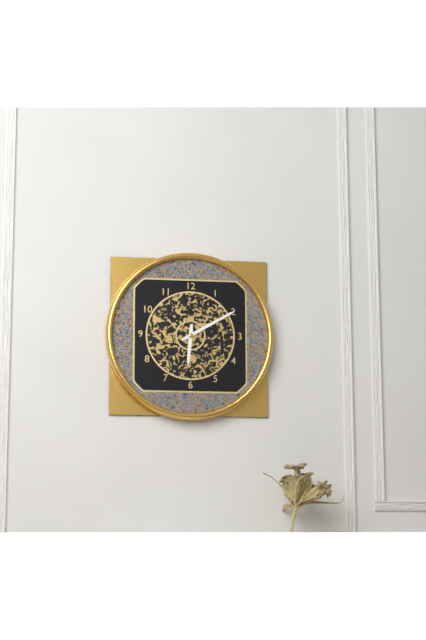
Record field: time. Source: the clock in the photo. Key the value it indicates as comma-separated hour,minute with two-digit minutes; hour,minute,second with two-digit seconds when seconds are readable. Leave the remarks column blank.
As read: 6,10
